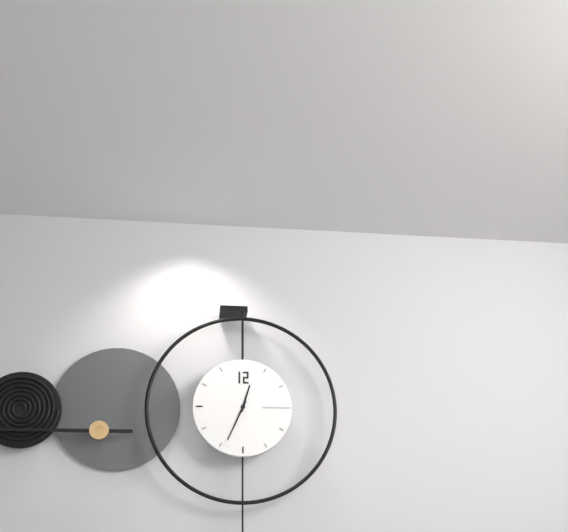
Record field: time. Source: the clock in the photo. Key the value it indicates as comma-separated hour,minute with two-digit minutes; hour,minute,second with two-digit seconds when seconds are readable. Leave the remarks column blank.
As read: 12,34
